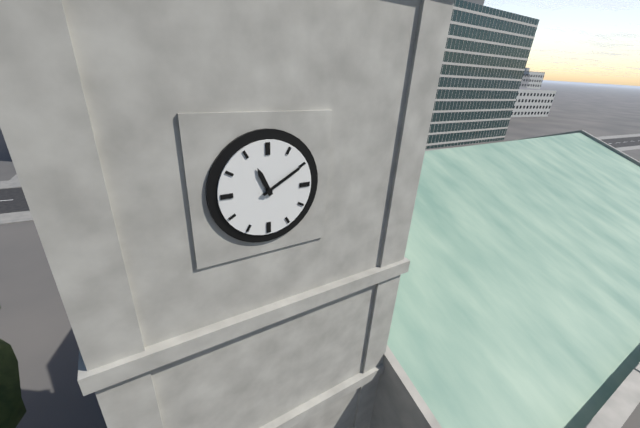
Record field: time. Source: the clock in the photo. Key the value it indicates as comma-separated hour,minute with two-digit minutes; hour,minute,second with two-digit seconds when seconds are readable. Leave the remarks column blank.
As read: 11,10
